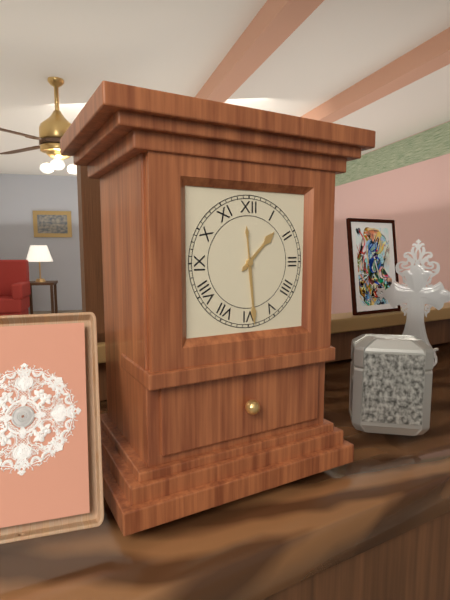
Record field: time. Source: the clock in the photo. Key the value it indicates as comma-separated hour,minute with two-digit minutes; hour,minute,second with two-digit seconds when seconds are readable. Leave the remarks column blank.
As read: 1,29
